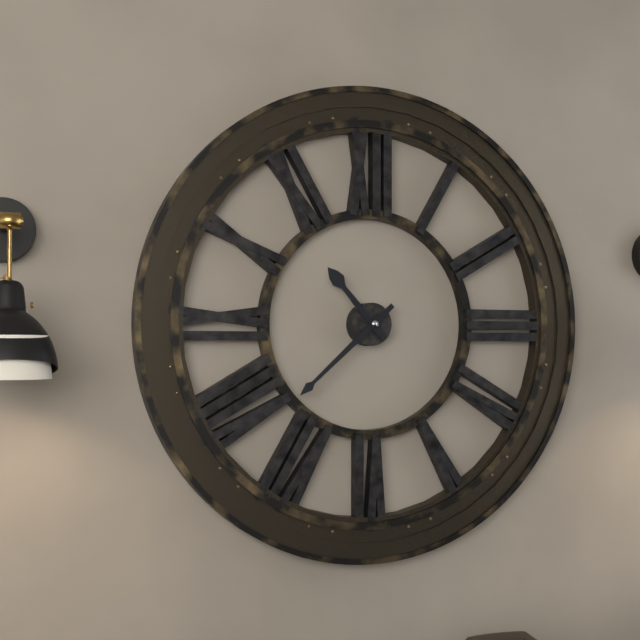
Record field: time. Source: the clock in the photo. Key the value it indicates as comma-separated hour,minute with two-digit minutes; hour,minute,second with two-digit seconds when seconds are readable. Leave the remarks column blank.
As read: 10,38
